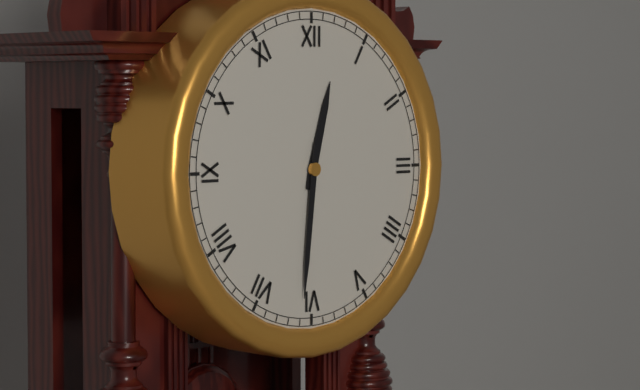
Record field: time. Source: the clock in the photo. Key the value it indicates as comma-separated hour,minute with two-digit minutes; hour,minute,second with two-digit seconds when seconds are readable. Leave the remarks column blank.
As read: 12,31
